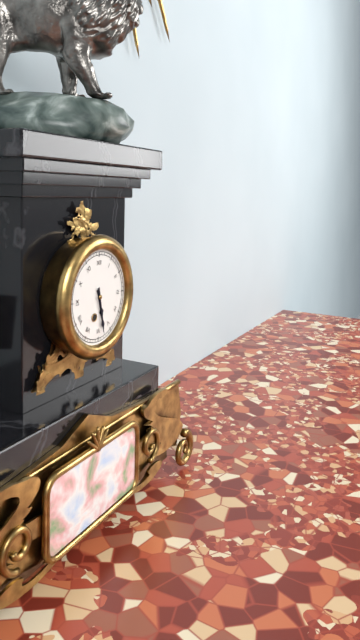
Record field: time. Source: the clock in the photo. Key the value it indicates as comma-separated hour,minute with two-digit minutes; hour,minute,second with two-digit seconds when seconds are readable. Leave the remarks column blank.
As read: 5,28
